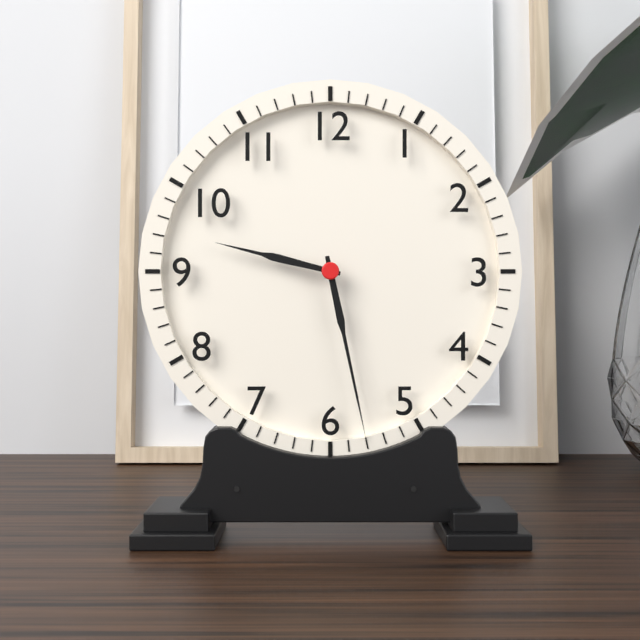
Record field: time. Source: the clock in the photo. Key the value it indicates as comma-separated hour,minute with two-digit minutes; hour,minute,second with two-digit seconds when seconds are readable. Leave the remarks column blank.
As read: 9,28
